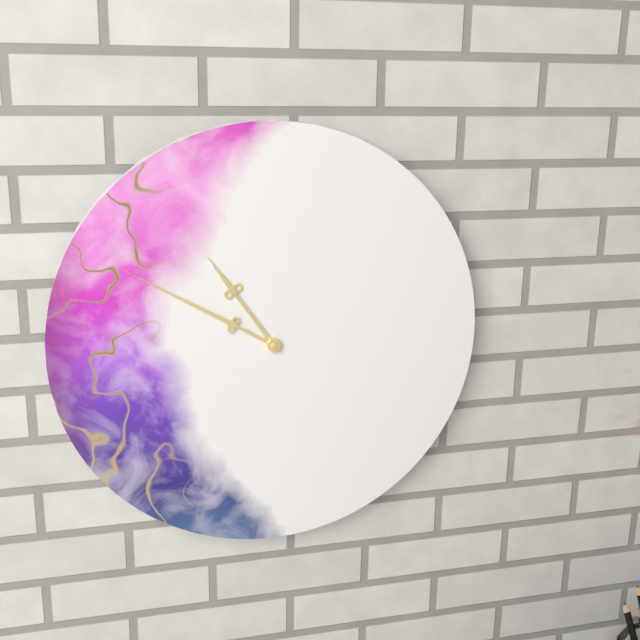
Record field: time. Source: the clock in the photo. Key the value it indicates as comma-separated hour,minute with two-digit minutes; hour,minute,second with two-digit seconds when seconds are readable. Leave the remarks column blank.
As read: 10,50
